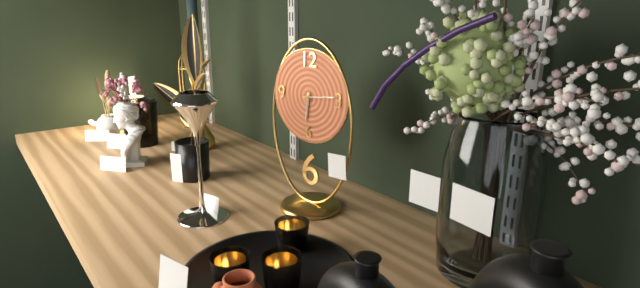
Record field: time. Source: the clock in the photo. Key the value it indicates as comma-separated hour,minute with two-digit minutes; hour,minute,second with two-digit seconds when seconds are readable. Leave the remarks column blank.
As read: 6,14
